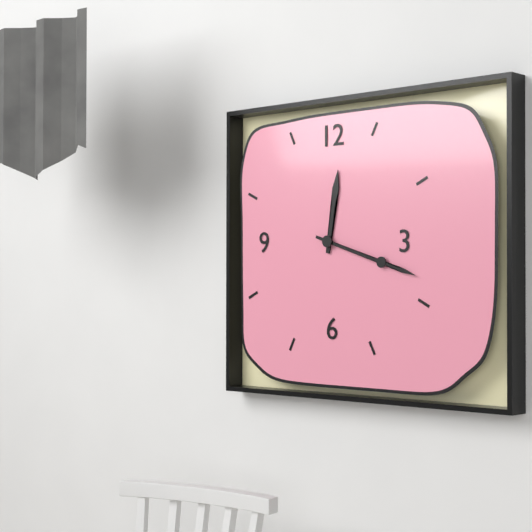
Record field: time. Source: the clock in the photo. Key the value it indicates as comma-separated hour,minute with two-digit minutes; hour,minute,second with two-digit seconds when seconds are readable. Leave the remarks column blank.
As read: 12,18
